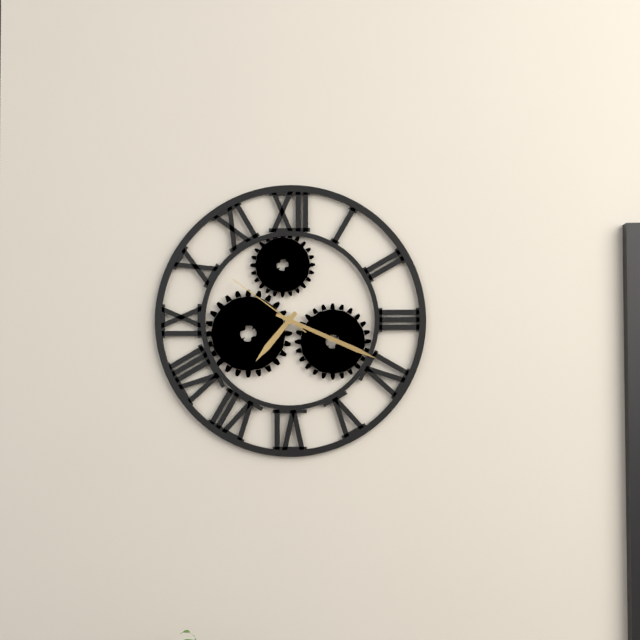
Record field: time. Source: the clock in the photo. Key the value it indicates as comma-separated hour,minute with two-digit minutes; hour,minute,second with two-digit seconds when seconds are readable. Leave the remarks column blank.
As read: 7,19,51
